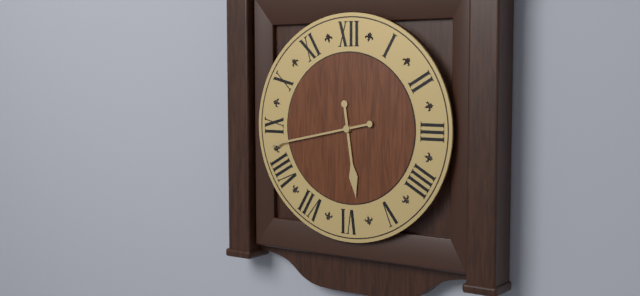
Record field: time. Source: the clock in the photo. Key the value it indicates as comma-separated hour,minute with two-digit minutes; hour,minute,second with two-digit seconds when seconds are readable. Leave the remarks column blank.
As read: 5,43
